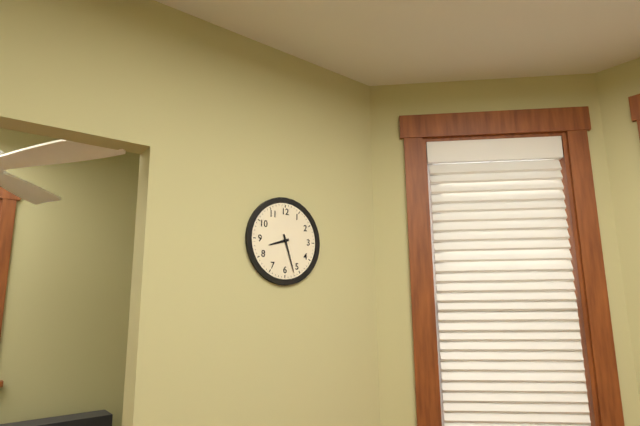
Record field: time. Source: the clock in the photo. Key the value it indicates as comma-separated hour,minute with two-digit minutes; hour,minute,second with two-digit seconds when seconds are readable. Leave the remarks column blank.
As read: 8,27
